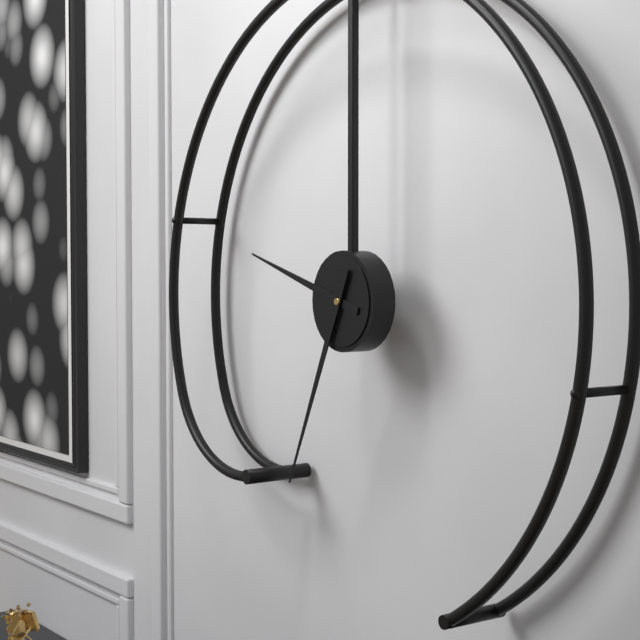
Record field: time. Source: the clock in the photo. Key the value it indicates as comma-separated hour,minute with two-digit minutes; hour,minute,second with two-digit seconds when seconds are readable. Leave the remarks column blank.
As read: 9,34
